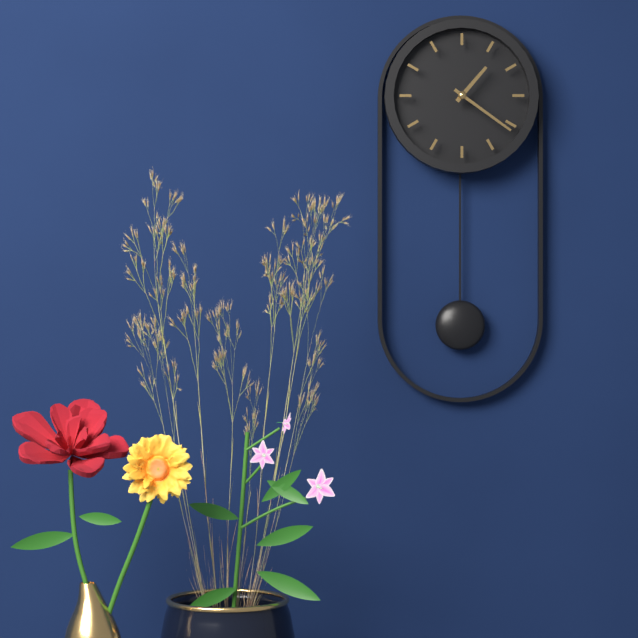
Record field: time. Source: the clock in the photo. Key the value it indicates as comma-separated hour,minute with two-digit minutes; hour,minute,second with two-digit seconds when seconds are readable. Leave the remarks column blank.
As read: 1,21
